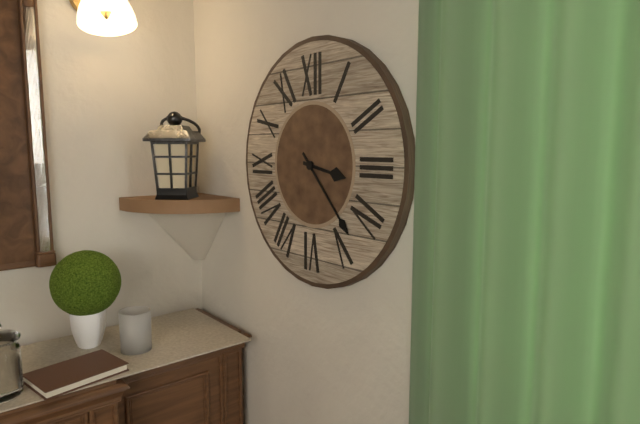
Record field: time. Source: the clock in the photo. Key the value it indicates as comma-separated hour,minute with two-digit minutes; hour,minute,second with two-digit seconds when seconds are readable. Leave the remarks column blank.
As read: 3,23
